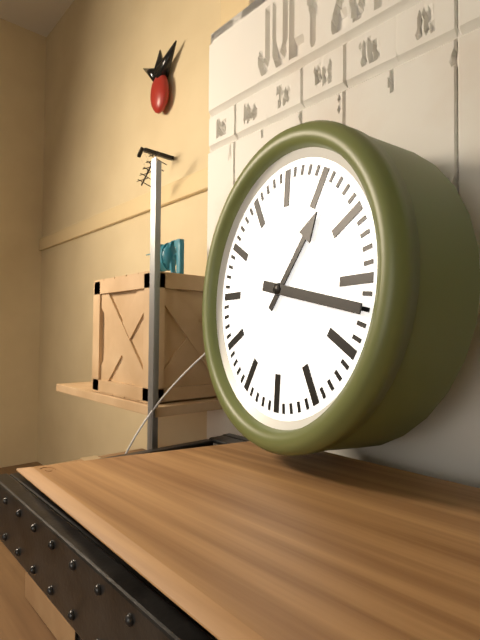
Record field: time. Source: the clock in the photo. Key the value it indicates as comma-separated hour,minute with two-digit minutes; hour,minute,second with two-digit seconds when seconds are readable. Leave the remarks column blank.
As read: 1,17
